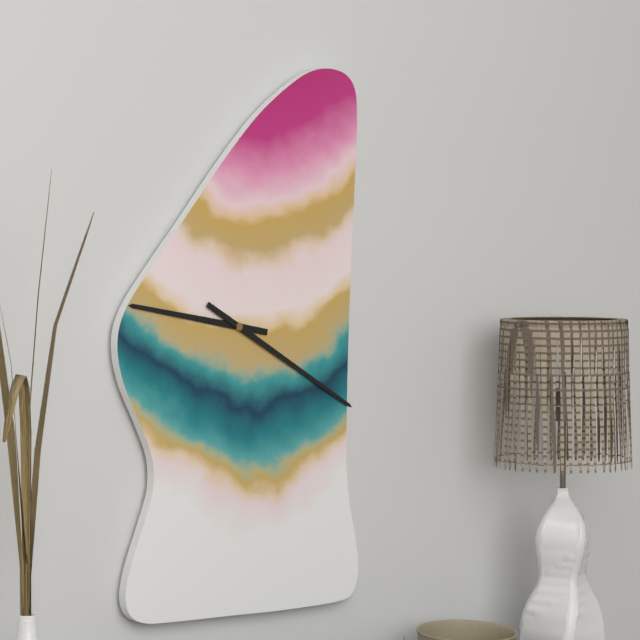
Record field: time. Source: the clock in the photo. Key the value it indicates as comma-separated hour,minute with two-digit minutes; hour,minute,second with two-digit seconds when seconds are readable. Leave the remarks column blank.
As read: 9,20
